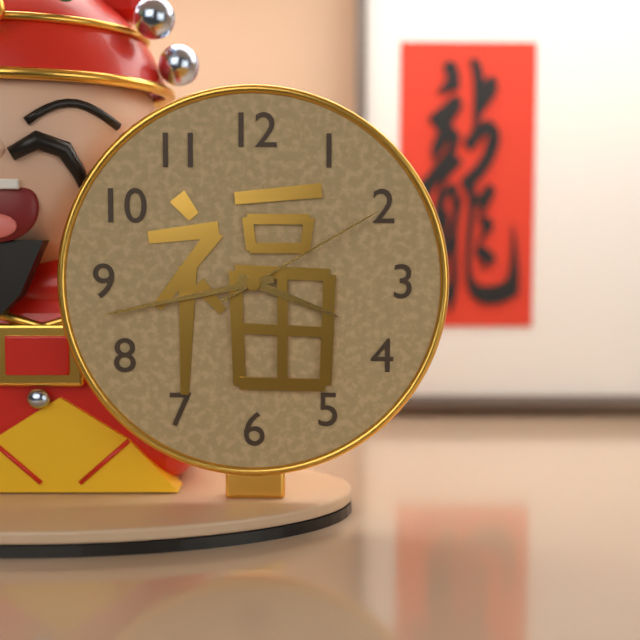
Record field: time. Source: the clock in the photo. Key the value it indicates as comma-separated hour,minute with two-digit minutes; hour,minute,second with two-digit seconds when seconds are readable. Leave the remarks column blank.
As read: 3,43,10
